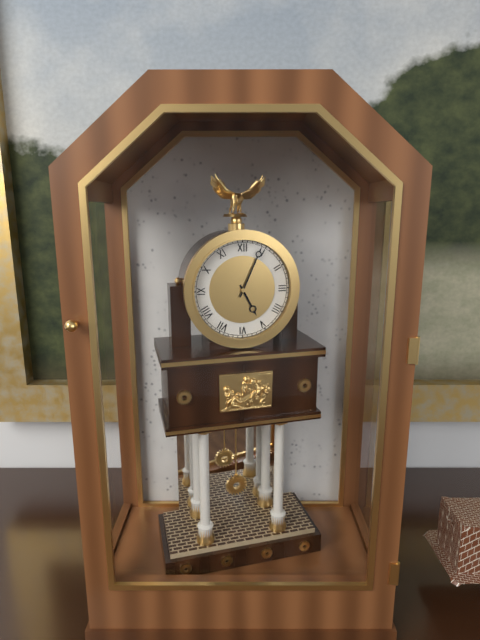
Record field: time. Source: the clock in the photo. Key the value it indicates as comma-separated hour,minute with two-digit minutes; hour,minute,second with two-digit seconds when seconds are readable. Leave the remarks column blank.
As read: 5,04
